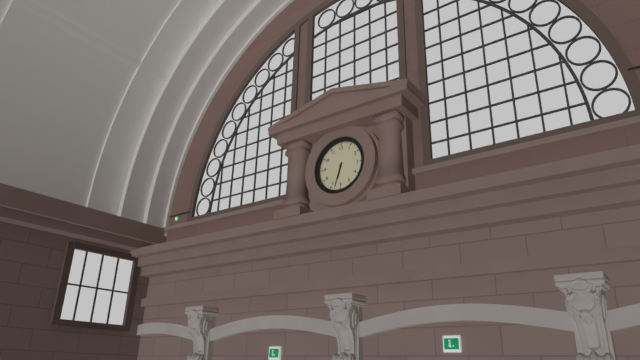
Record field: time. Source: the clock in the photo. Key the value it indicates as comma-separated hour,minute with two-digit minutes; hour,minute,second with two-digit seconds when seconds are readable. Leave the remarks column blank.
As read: 6,33
